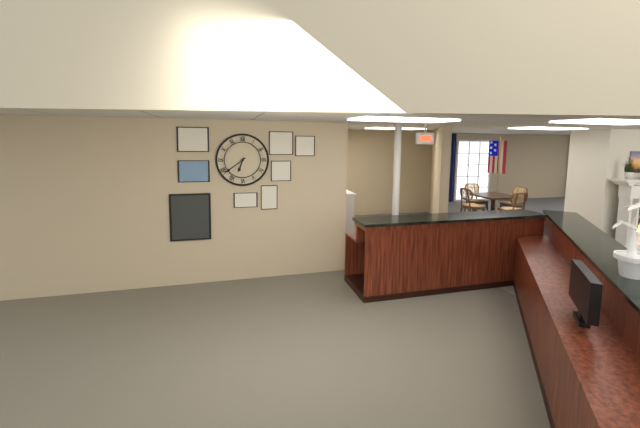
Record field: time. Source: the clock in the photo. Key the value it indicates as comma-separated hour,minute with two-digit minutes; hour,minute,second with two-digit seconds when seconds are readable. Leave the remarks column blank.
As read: 6,39
